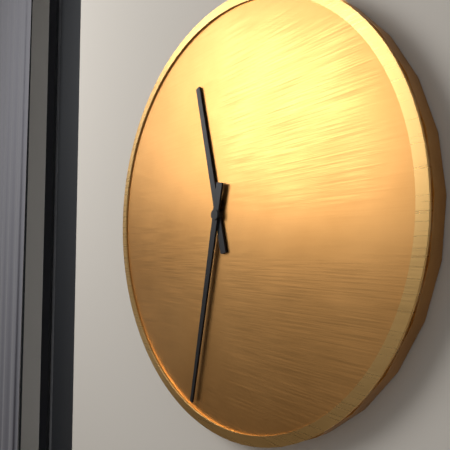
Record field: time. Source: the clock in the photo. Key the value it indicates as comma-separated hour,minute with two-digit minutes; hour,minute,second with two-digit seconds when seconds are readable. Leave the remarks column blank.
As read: 11,32
